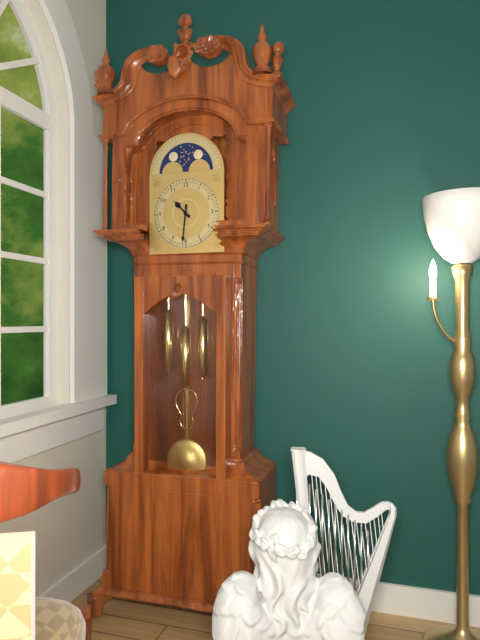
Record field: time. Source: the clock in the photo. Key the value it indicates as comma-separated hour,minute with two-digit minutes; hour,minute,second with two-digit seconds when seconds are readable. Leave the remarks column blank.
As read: 10,31
